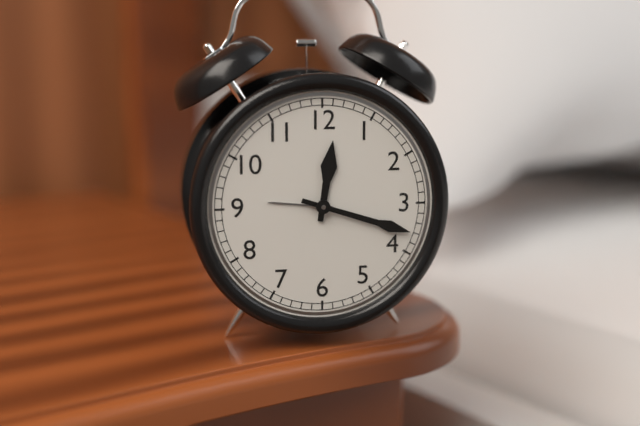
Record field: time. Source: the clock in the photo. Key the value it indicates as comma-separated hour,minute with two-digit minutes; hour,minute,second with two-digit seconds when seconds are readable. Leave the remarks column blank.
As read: 12,18
